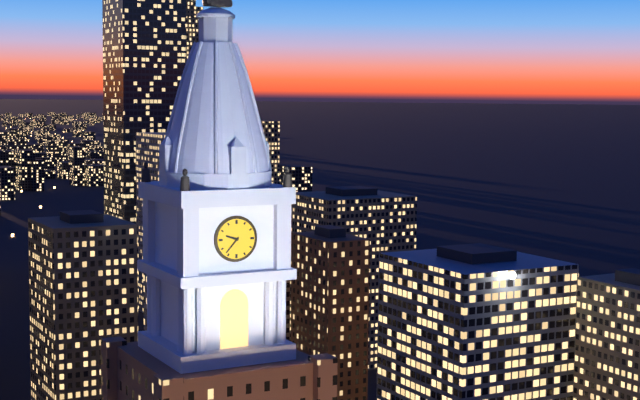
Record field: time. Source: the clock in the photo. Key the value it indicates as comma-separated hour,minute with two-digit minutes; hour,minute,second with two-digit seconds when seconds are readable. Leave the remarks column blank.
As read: 9,37
